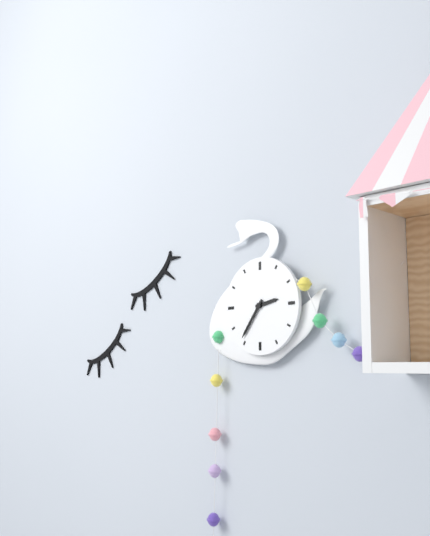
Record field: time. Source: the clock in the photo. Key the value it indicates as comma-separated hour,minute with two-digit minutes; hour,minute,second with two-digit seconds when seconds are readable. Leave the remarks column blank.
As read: 2,36
